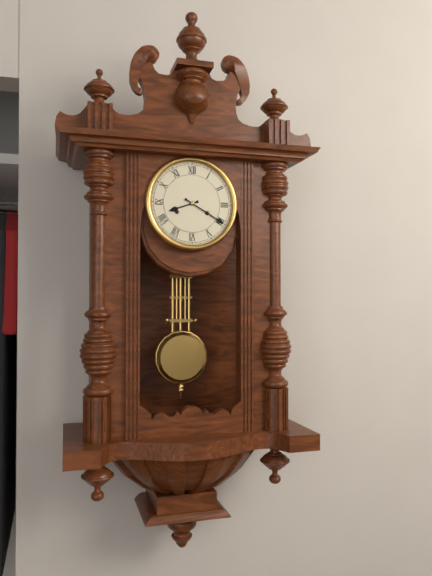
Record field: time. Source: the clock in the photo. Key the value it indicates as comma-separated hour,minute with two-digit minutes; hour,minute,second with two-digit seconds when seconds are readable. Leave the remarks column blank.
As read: 8,20
